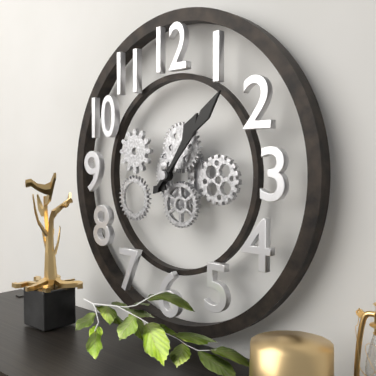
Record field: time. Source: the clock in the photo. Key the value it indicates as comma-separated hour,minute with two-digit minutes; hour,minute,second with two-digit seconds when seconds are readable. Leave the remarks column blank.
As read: 1,07
